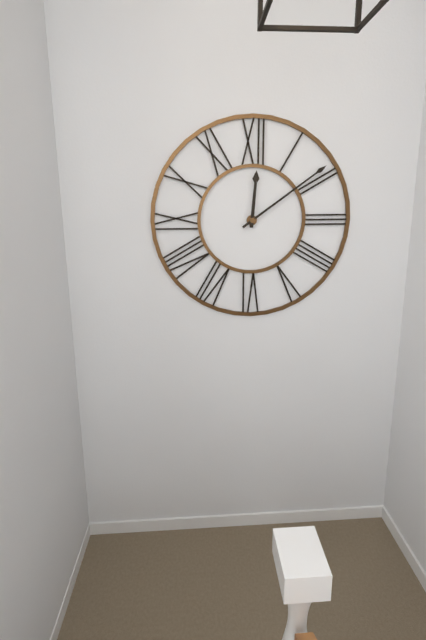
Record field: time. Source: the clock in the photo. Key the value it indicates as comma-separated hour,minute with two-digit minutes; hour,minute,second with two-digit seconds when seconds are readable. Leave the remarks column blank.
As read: 12,09
